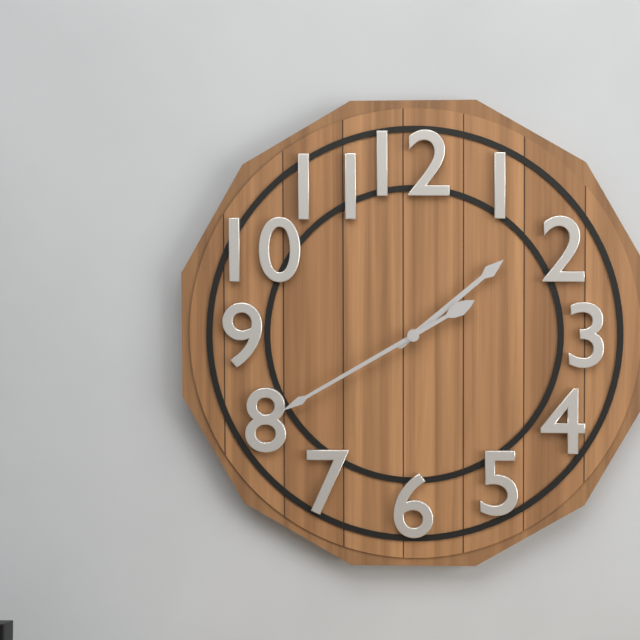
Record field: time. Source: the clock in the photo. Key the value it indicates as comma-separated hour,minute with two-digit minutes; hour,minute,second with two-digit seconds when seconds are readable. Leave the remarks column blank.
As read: 1,40
